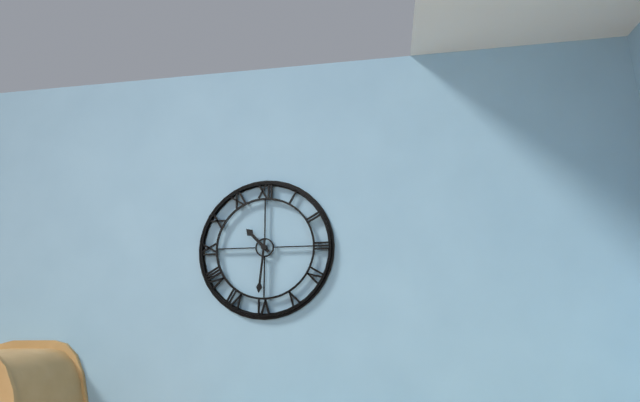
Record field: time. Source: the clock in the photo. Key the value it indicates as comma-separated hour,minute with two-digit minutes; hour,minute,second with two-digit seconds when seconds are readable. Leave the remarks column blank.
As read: 10,31
